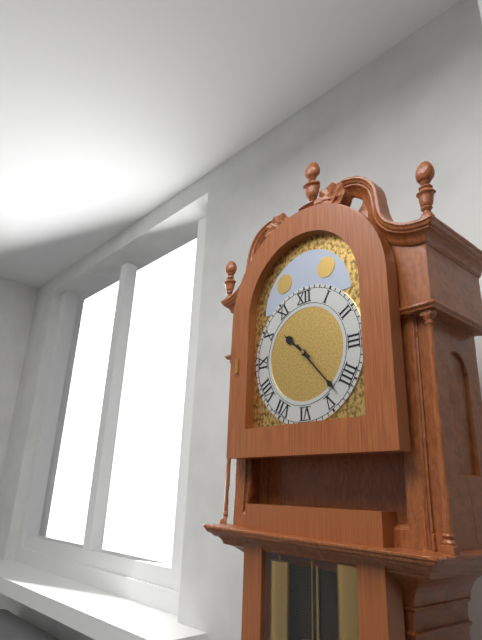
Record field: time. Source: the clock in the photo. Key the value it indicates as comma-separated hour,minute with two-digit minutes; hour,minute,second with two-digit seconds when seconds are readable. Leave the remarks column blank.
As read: 10,23
